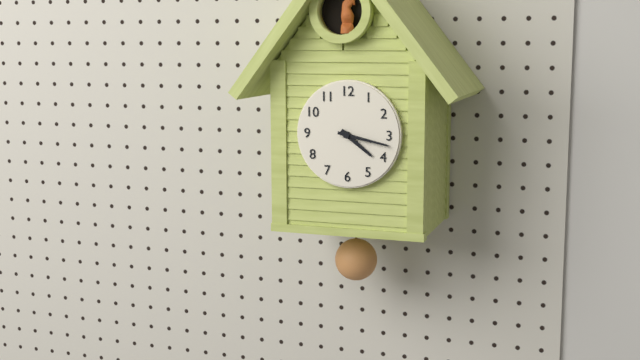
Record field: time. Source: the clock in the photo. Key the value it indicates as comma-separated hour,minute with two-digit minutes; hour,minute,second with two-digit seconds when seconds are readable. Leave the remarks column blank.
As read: 4,17
